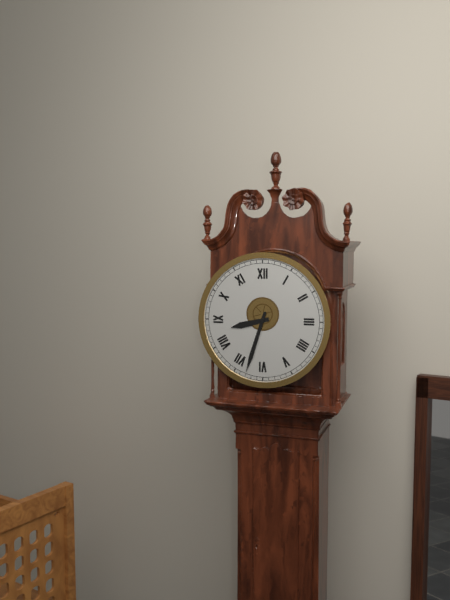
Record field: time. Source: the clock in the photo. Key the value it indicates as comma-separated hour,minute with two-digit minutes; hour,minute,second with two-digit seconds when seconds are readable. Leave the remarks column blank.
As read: 8,33
